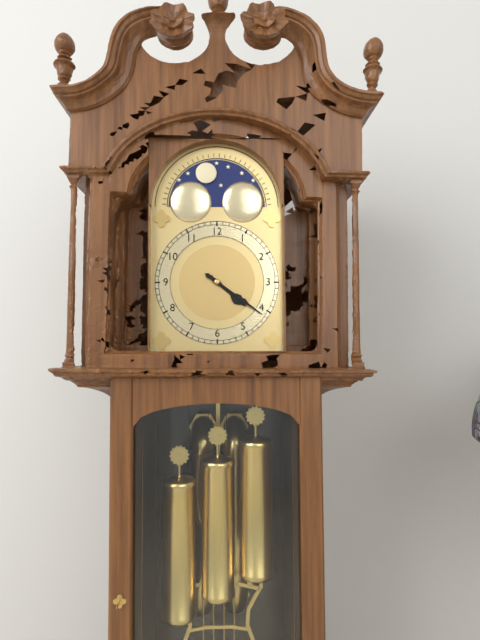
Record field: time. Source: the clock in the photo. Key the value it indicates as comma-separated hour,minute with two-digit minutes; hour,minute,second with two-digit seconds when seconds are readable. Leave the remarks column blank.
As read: 4,21
